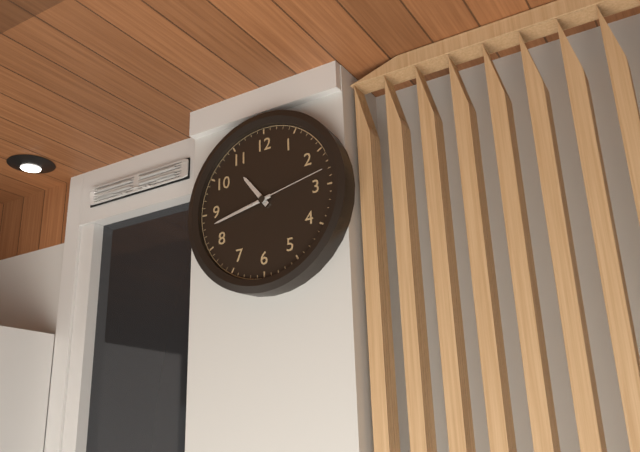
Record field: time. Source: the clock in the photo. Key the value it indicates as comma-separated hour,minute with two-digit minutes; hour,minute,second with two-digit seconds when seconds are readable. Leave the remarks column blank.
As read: 10,43,13
